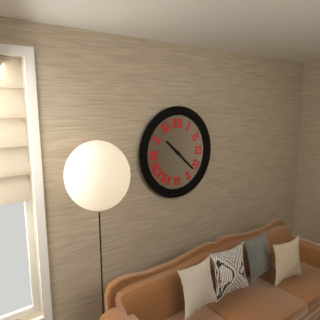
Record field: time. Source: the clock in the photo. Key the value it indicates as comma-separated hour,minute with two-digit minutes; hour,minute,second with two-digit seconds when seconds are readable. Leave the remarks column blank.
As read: 10,22
